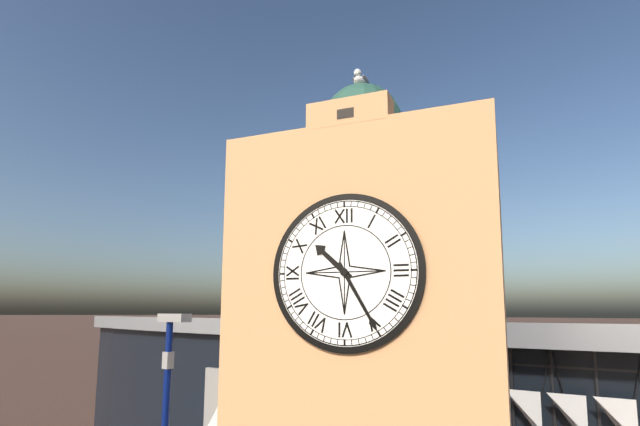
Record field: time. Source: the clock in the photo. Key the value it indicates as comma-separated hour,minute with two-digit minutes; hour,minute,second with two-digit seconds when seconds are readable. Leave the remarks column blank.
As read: 10,25
